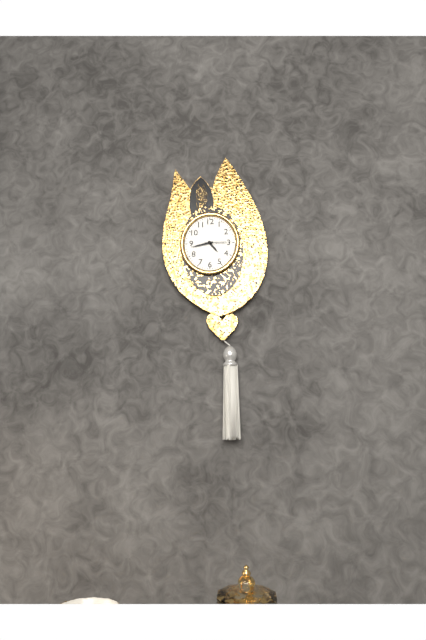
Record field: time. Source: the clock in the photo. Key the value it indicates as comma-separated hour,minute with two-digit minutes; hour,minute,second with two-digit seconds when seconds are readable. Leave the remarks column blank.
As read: 4,43
